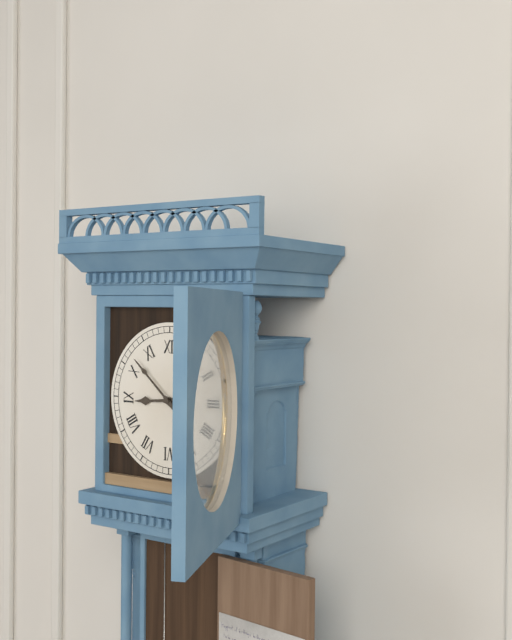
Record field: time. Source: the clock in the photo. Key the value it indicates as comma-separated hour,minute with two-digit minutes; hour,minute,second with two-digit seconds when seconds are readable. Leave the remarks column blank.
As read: 8,52
